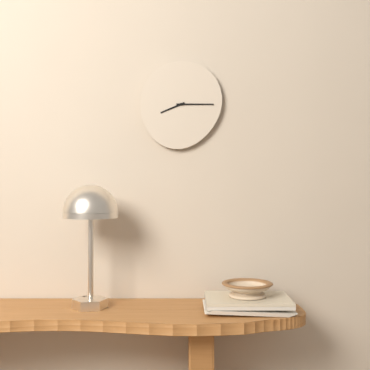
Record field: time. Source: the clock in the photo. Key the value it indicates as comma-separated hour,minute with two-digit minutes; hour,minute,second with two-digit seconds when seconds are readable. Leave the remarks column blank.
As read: 8,15
